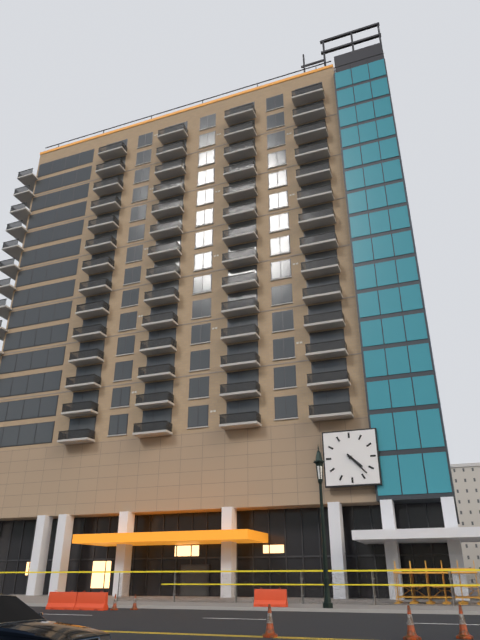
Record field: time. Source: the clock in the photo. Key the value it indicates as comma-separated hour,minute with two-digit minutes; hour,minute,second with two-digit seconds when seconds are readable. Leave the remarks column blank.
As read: 4,23
